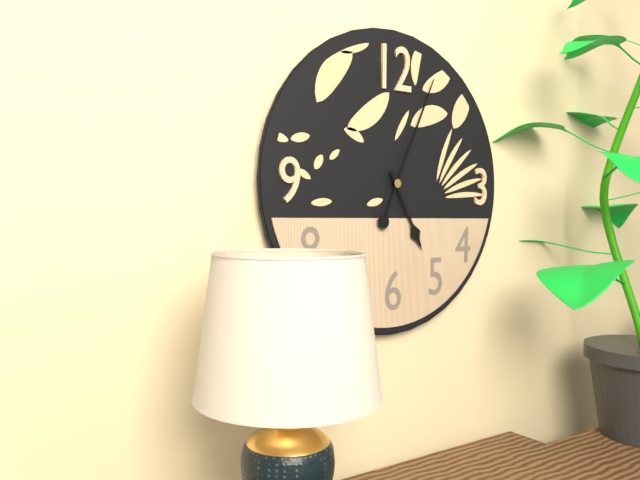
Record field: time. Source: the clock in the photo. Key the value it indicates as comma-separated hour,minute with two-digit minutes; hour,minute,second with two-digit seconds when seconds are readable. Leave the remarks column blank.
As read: 5,04
